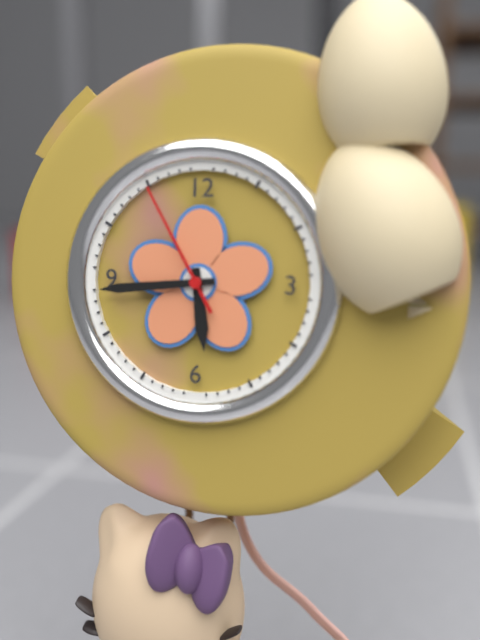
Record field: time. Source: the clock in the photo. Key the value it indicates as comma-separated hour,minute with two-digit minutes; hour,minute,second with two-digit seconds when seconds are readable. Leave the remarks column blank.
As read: 5,44,55
